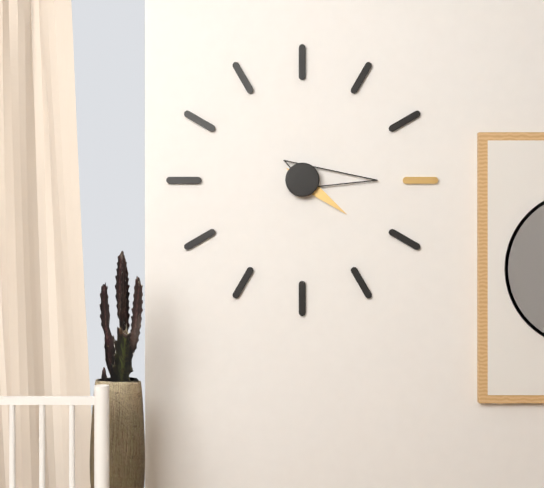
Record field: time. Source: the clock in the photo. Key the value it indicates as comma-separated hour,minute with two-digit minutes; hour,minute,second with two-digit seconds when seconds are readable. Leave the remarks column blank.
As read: 4,15
